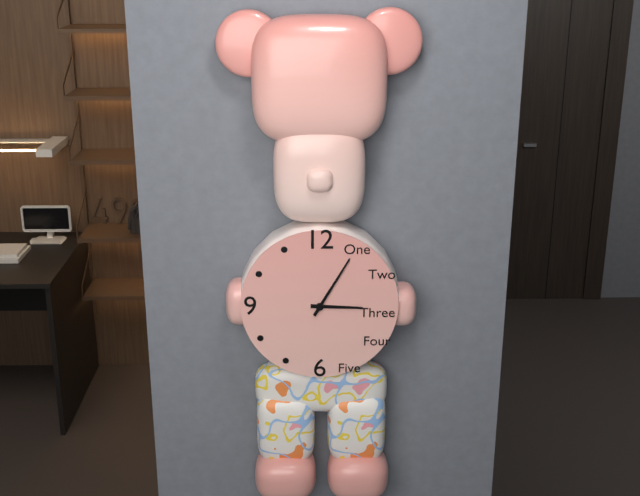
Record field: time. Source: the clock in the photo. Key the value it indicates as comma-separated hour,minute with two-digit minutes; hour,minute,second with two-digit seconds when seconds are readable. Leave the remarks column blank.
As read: 3,05
